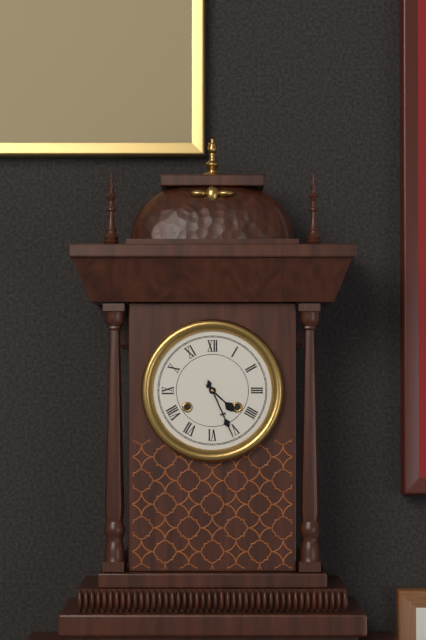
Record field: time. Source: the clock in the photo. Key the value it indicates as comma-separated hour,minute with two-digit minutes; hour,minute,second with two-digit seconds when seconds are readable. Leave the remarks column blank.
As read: 4,26
